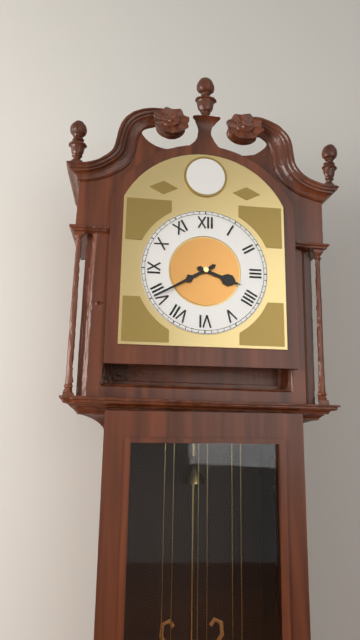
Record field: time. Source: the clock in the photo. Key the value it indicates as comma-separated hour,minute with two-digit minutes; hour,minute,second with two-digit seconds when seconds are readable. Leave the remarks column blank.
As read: 3,40
